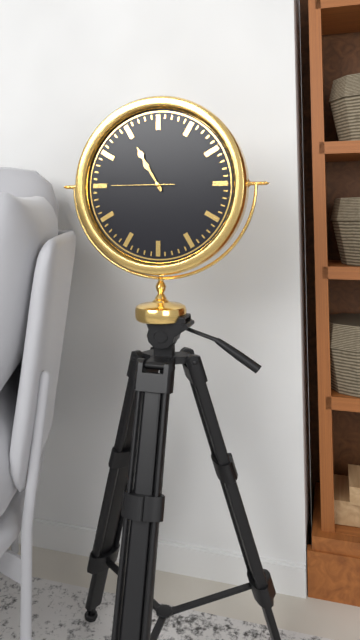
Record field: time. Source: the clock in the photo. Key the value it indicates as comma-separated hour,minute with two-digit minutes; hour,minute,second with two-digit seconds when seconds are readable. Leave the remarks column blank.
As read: 10,55,45
